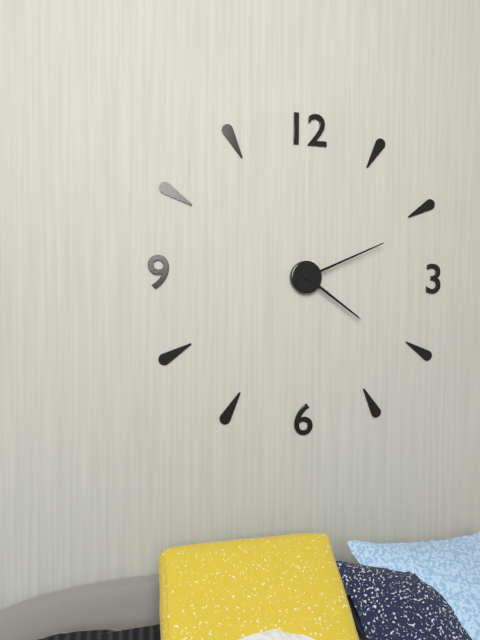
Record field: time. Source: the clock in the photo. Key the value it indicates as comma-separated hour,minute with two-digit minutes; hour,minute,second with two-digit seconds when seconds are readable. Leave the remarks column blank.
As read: 4,11
